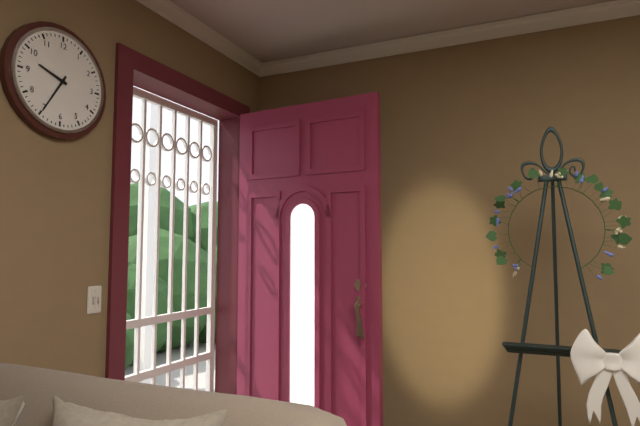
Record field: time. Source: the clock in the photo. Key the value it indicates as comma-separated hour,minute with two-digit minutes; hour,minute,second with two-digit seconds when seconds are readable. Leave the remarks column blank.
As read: 9,35
